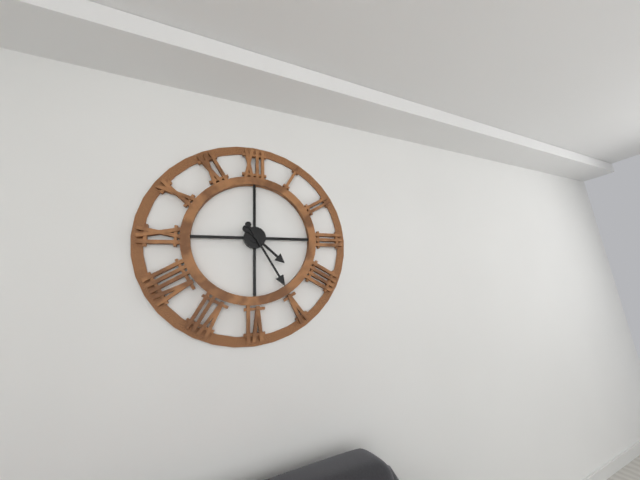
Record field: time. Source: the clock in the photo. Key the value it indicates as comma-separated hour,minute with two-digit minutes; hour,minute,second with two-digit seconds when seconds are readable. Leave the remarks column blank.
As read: 4,25
